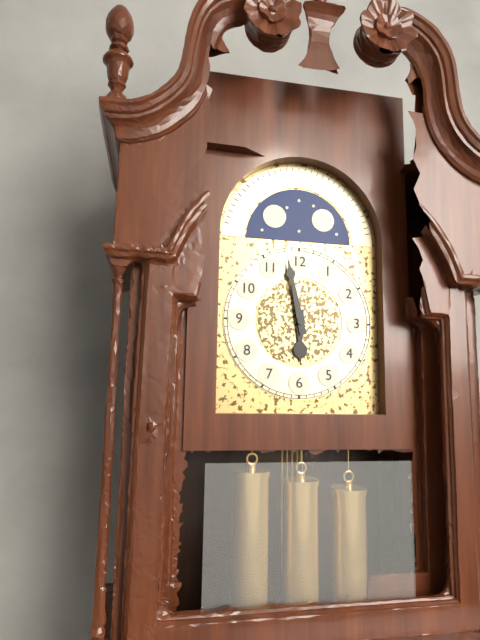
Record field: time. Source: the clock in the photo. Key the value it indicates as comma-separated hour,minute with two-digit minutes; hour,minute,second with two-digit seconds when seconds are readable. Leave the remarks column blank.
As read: 5,58
